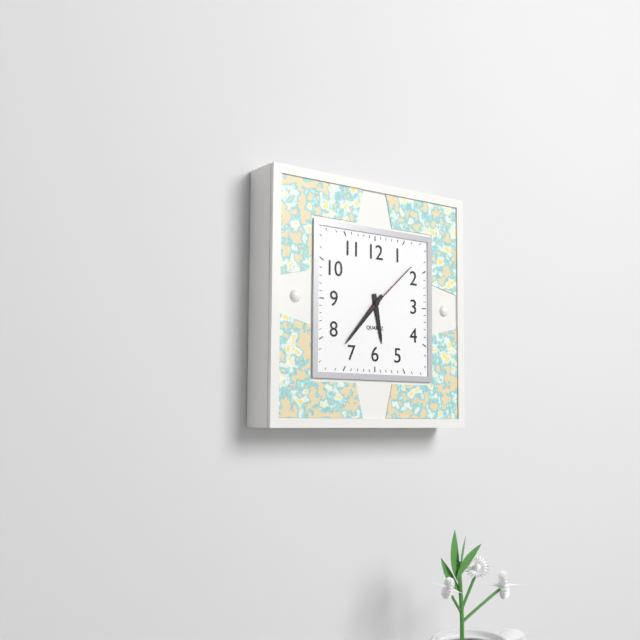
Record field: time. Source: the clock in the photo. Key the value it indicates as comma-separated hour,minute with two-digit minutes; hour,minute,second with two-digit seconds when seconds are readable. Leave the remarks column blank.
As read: 5,37,08
